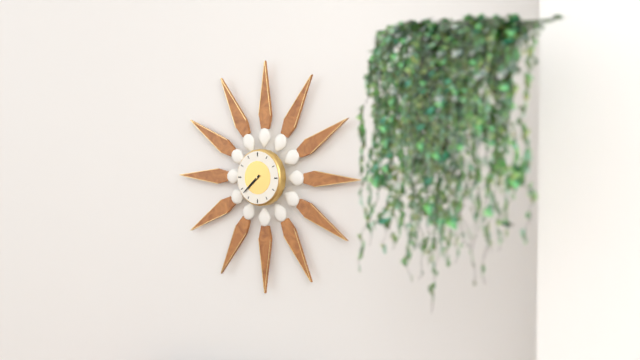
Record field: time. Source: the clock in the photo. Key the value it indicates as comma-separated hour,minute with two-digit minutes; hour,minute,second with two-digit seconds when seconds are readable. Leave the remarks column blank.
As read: 7,38
